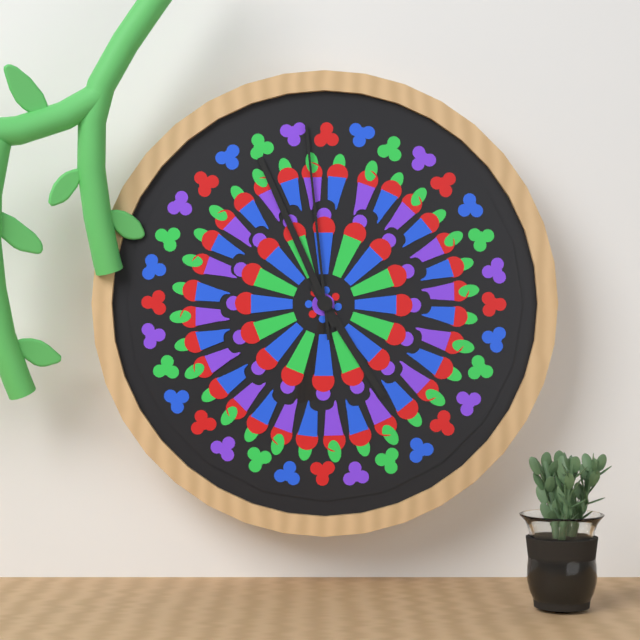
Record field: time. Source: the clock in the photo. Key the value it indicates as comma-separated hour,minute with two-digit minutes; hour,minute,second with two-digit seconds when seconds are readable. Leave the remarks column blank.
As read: 4,56,59
